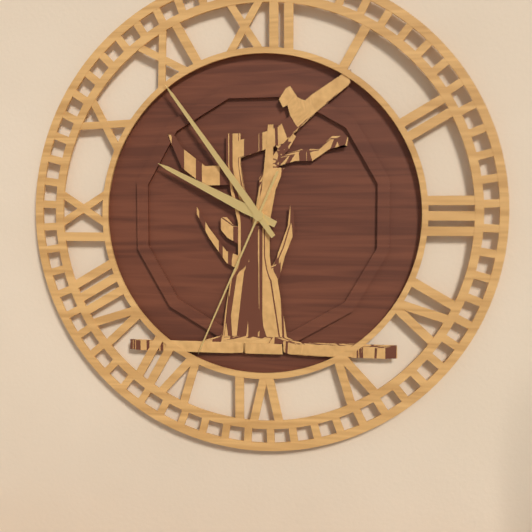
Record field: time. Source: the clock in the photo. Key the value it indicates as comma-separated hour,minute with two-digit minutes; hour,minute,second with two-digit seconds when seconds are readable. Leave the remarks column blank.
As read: 9,54,34
